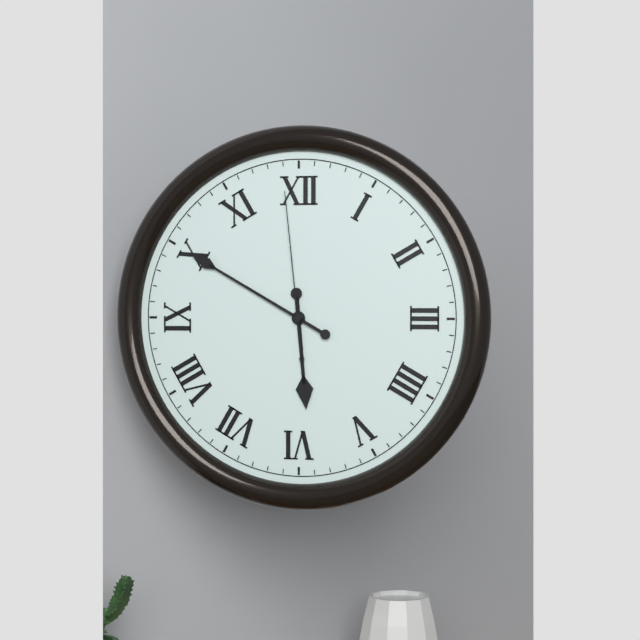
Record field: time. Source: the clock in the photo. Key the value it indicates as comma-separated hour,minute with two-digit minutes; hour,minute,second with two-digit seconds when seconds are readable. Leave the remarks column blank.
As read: 5,50,59
